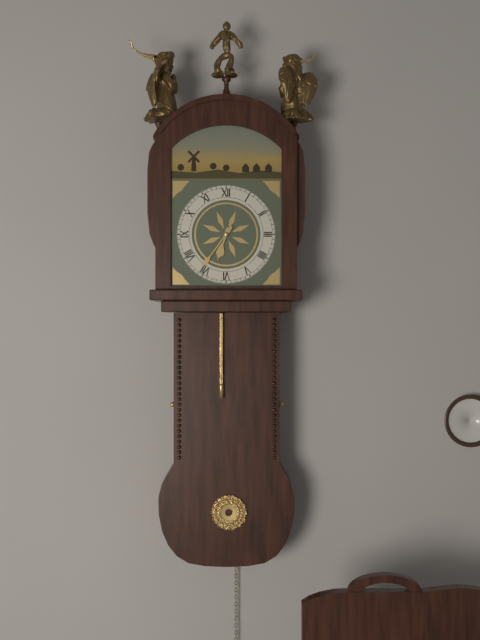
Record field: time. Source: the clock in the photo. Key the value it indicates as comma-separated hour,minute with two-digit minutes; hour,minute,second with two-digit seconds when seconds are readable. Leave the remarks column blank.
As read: 6,36
